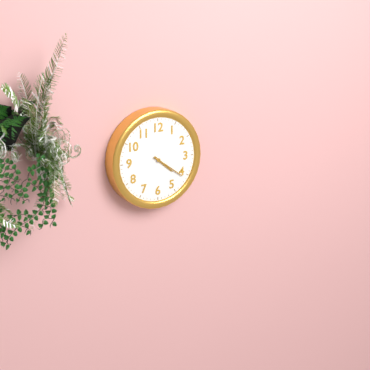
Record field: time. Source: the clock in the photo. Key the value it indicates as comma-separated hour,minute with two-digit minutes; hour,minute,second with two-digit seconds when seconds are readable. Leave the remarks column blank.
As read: 4,21
